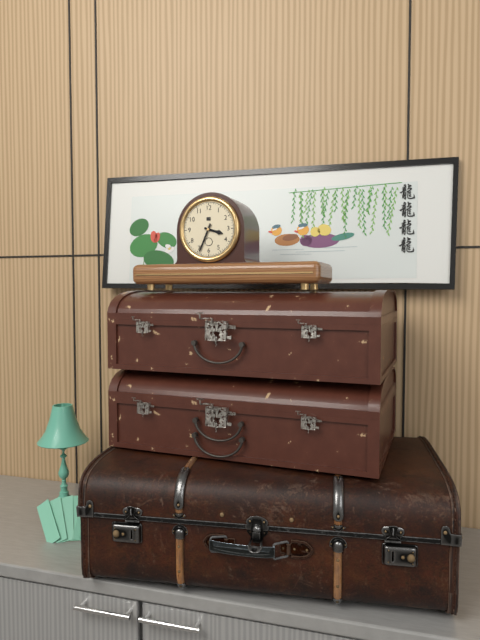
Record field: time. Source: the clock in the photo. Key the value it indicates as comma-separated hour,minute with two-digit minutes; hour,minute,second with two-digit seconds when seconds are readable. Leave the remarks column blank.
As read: 3,34
